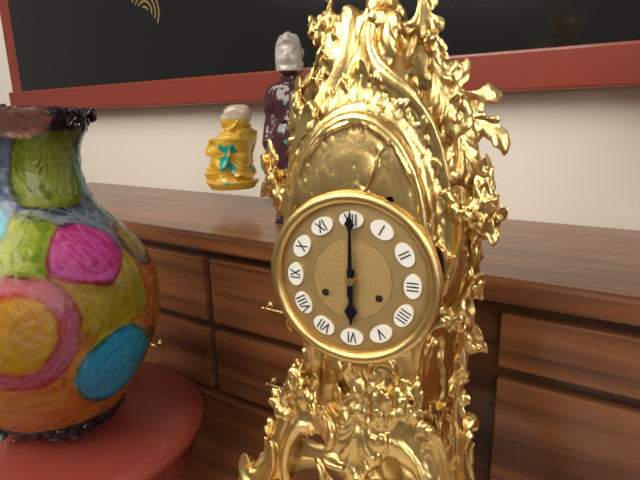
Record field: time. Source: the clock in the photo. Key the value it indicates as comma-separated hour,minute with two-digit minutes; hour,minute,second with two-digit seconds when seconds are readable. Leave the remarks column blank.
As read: 6,00
